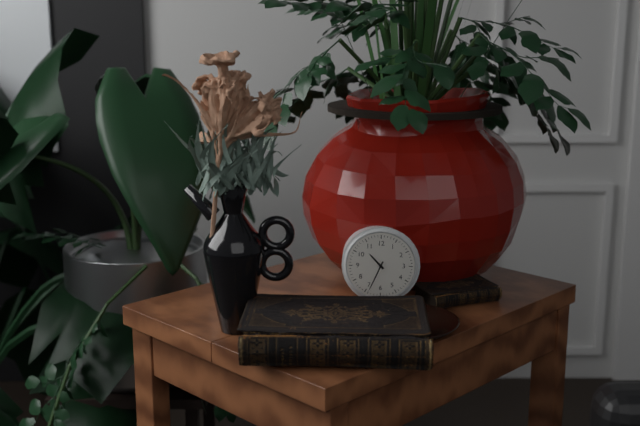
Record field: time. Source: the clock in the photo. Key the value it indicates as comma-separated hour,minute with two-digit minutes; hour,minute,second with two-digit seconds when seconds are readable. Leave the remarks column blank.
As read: 10,34
